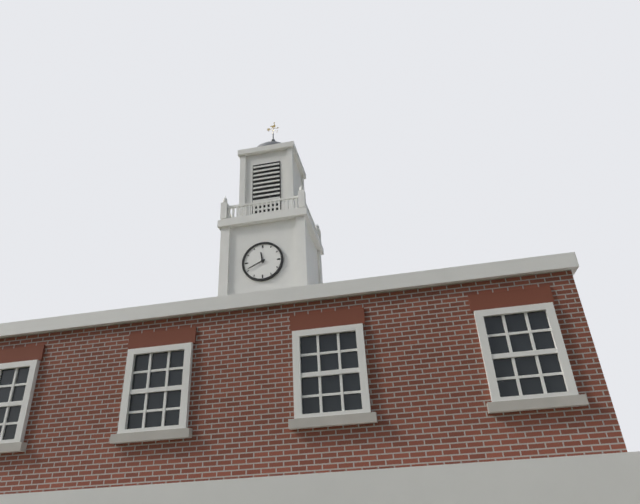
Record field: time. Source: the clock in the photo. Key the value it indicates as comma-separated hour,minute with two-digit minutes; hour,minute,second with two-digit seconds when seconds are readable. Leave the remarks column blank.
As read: 11,41
